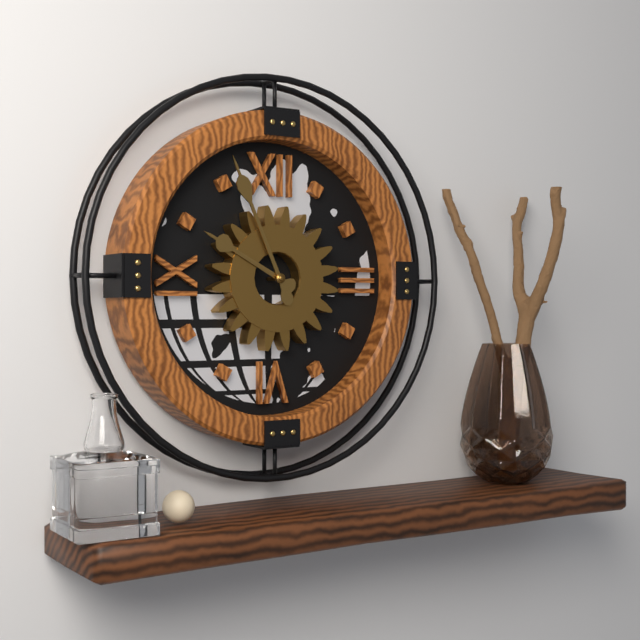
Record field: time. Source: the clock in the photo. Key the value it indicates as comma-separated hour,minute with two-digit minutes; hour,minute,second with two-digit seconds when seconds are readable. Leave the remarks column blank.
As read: 9,56
